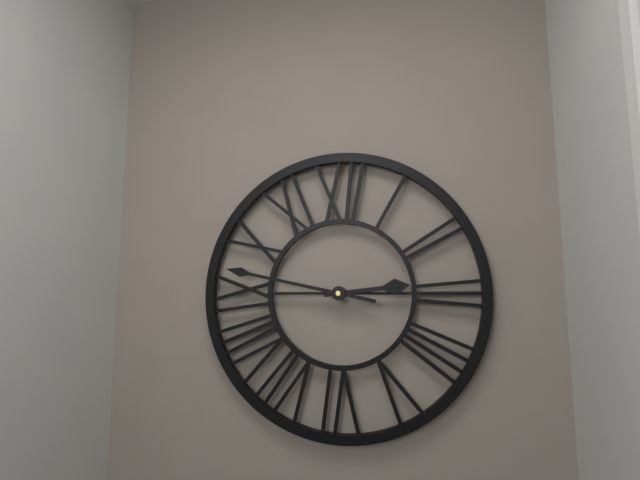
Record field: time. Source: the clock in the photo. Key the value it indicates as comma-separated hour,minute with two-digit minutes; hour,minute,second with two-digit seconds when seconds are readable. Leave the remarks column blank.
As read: 2,47
